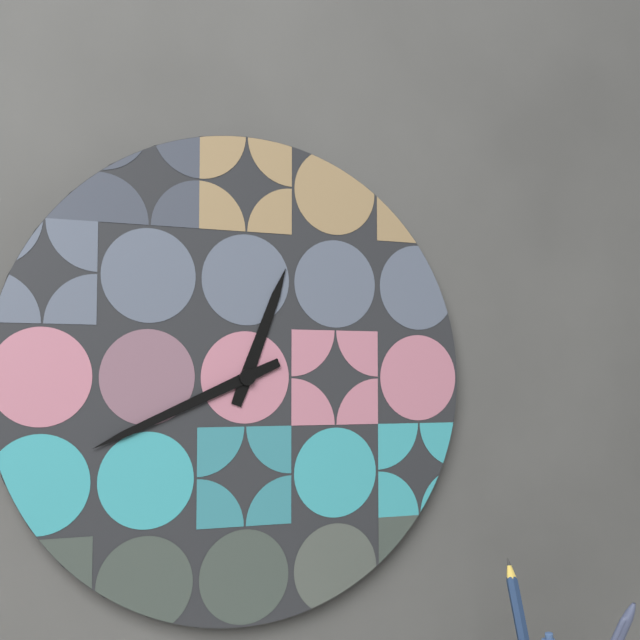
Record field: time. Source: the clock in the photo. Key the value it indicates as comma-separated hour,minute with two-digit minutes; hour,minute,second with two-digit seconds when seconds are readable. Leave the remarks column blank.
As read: 12,41
